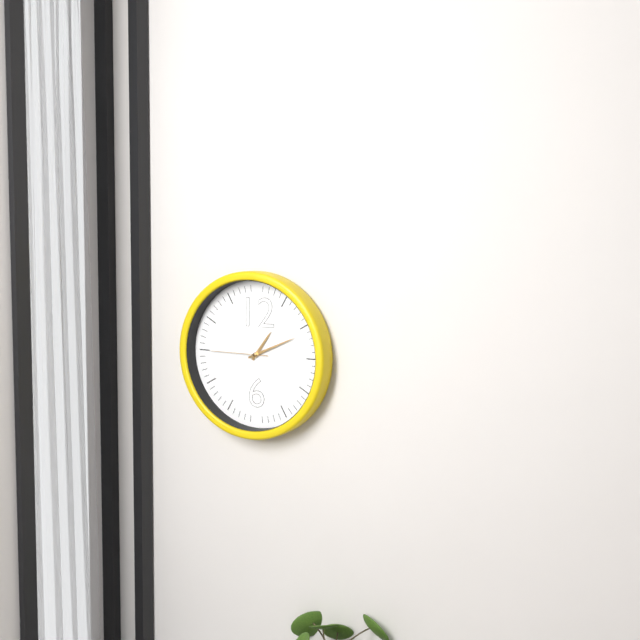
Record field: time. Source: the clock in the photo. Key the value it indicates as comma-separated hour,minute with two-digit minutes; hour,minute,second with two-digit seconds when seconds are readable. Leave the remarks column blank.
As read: 1,11,45
